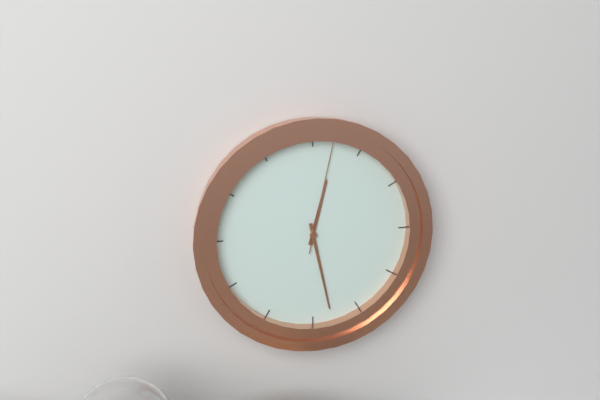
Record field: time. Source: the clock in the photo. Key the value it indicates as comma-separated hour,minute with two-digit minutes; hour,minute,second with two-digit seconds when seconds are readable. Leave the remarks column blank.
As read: 12,28,02
